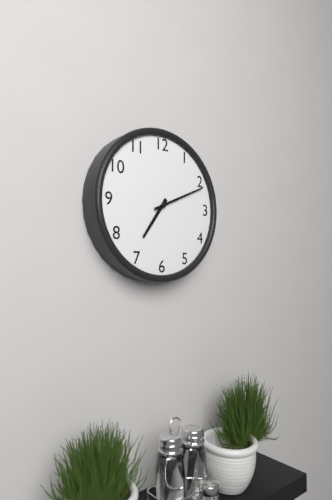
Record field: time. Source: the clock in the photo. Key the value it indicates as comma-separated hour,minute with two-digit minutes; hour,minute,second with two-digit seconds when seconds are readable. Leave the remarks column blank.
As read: 7,11
